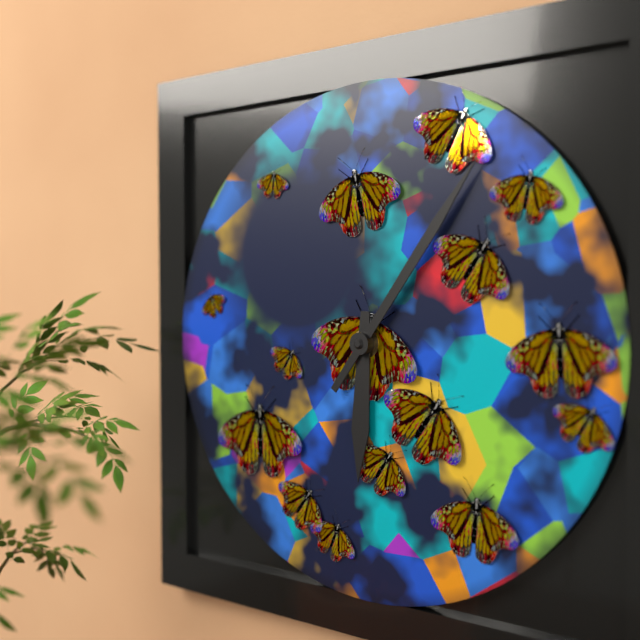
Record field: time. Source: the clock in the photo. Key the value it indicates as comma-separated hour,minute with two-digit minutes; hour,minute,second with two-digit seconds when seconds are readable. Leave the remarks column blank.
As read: 6,06
